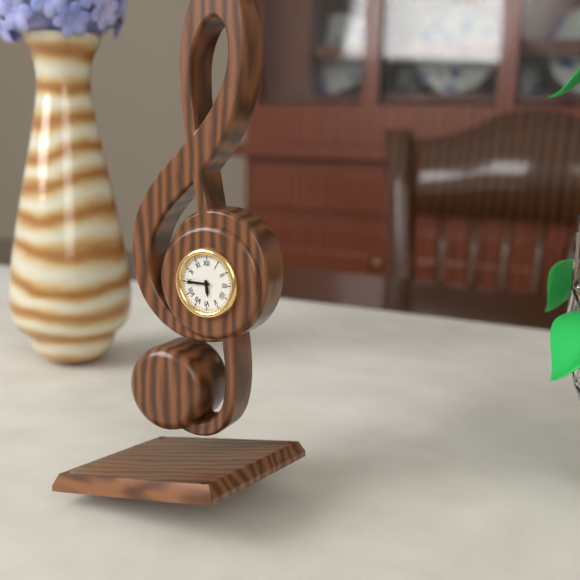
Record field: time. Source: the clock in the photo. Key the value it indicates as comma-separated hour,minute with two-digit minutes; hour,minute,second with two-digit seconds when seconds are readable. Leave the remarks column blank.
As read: 5,45
